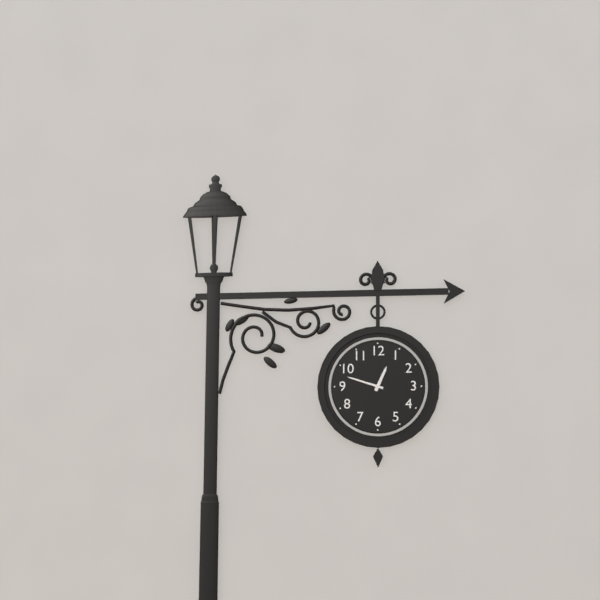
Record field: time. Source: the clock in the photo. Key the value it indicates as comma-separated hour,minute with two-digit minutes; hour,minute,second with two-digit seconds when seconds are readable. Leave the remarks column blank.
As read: 12,48
